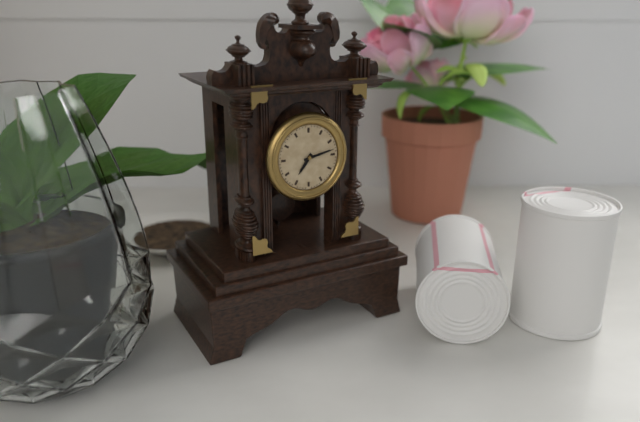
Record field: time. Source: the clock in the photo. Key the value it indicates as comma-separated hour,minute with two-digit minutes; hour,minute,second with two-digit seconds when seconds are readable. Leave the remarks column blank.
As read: 7,13
